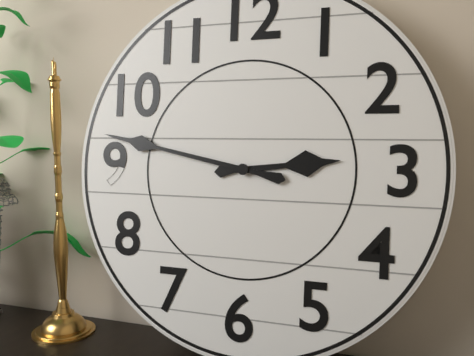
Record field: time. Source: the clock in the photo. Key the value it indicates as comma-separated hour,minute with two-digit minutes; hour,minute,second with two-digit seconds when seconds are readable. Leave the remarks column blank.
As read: 2,47
